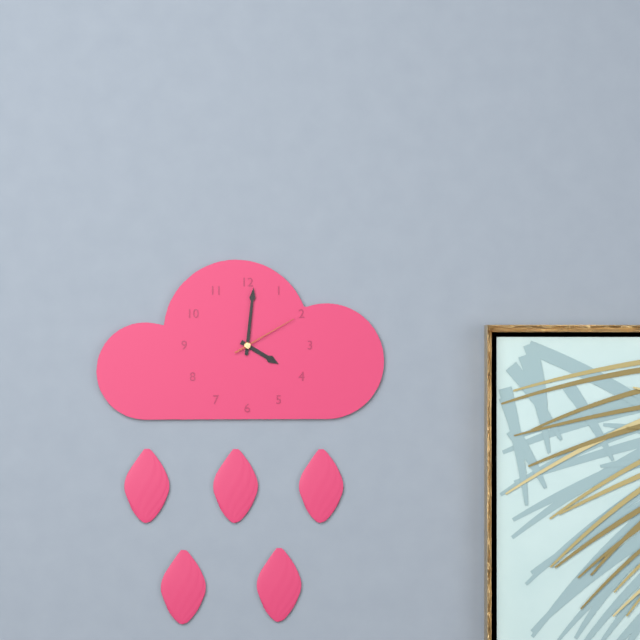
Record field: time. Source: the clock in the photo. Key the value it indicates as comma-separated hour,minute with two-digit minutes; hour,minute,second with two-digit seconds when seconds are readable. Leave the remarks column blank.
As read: 4,01,10
